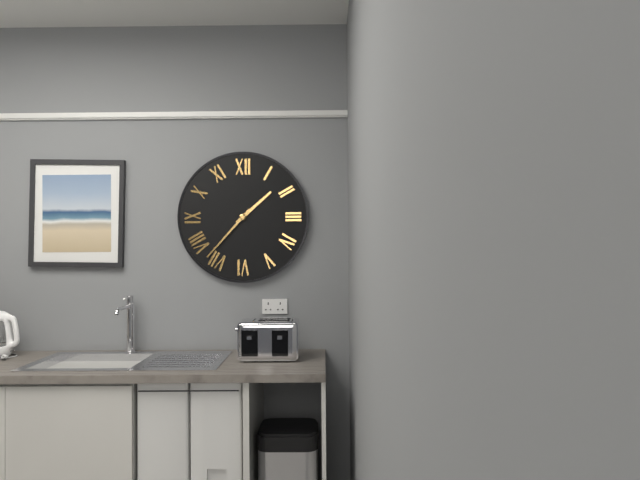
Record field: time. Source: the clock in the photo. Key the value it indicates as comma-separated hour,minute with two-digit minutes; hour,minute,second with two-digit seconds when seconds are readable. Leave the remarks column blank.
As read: 1,37
